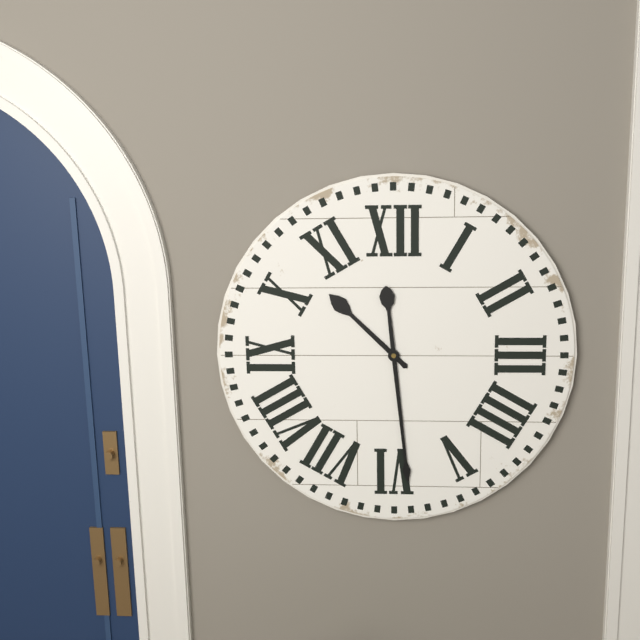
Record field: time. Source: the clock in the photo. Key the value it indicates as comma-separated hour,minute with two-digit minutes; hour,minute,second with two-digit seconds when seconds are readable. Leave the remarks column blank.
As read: 10,29
